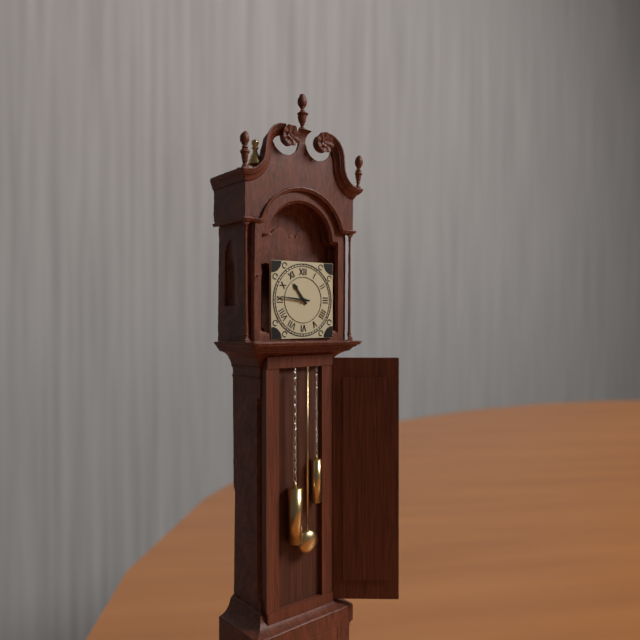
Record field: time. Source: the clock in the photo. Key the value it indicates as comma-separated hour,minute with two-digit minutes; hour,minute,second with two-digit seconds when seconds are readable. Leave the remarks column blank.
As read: 10,46
